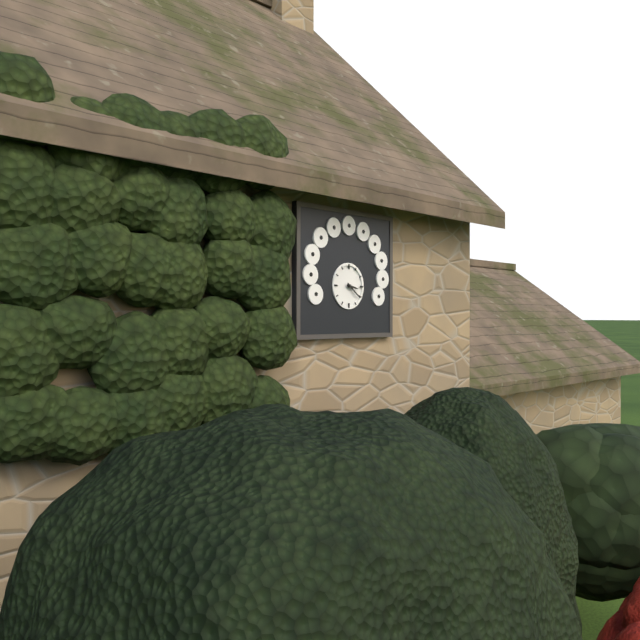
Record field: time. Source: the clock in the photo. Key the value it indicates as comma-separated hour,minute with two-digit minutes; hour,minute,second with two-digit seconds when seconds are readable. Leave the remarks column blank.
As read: 3,21
